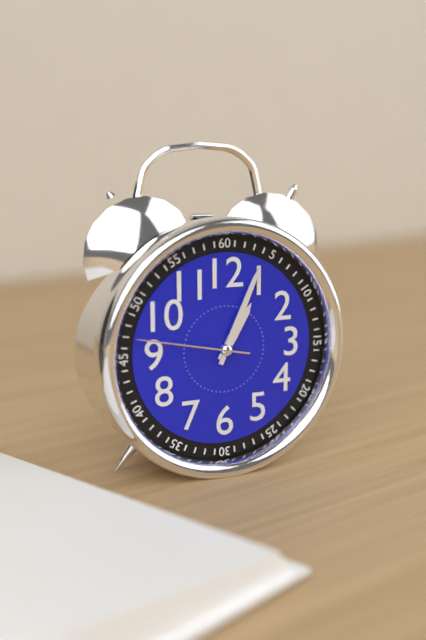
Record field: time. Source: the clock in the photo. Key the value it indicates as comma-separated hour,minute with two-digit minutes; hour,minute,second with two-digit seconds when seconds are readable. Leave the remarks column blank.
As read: 1,04,47
